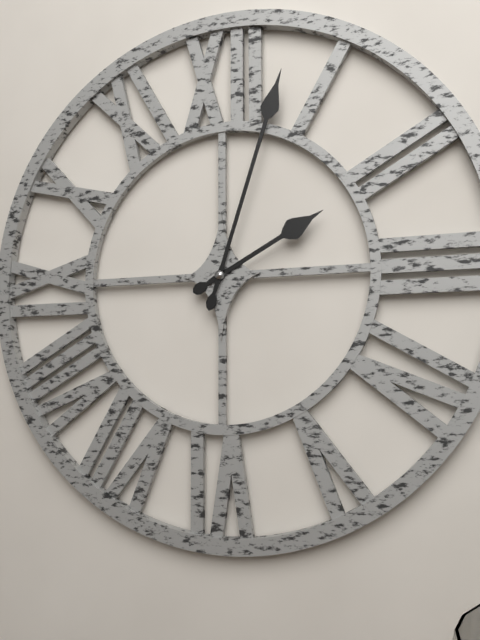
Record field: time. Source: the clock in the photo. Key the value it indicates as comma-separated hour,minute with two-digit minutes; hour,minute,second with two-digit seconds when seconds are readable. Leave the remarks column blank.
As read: 2,03
